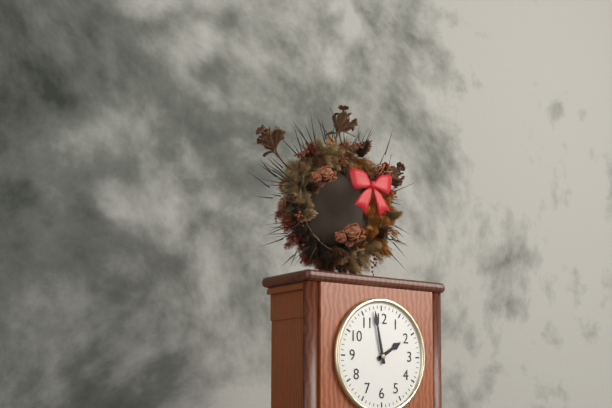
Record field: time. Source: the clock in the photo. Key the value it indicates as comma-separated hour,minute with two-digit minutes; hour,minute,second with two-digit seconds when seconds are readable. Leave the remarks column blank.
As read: 1,58
